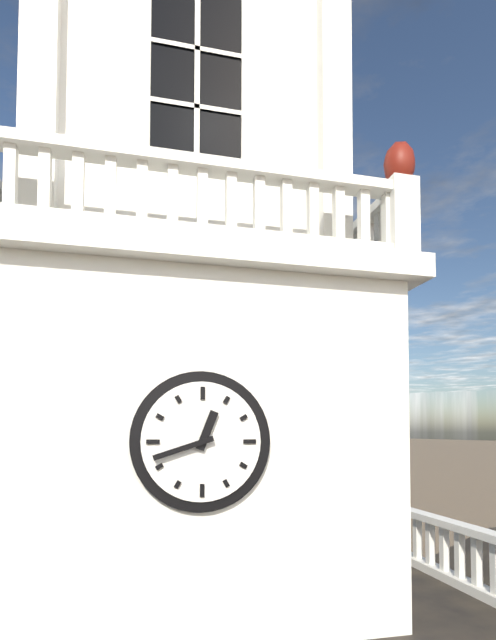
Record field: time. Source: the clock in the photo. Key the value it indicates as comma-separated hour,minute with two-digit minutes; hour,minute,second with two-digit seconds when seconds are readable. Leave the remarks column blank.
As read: 12,42
